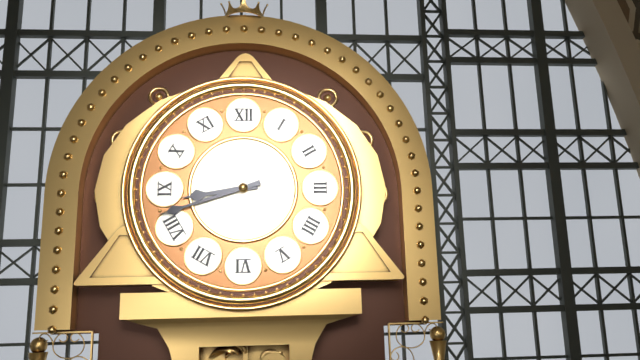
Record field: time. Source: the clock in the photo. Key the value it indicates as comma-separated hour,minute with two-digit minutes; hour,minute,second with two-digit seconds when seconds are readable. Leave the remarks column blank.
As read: 8,42
